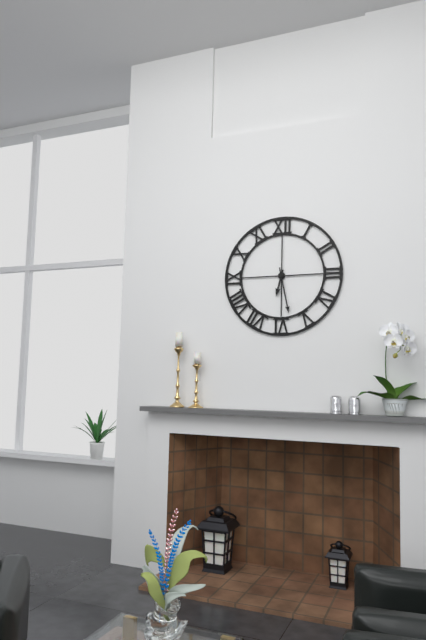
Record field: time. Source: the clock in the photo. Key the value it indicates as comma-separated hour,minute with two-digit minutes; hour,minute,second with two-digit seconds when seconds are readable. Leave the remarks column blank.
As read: 6,28
